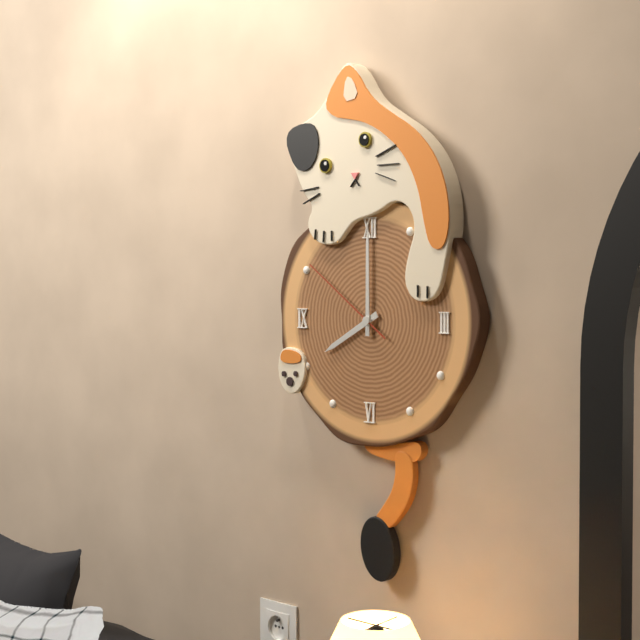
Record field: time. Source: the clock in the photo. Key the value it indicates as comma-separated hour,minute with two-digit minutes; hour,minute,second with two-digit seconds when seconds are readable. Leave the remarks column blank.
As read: 8,00,51
